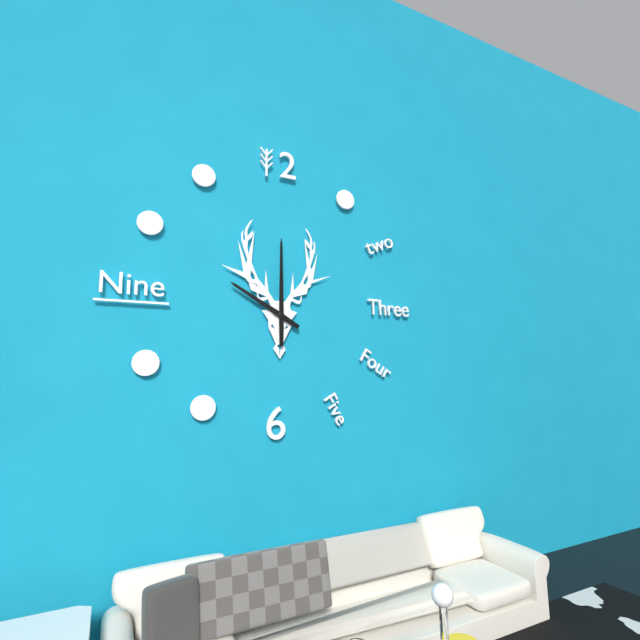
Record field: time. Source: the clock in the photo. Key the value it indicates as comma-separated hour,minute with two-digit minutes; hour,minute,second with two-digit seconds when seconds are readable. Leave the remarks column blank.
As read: 10,00
